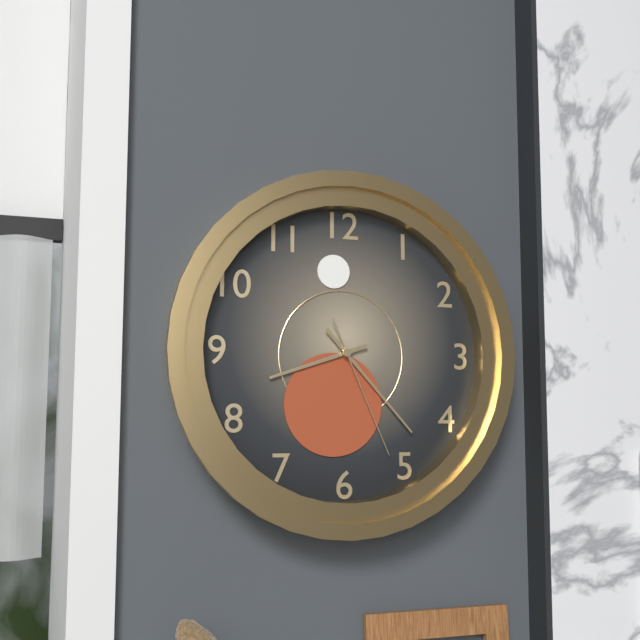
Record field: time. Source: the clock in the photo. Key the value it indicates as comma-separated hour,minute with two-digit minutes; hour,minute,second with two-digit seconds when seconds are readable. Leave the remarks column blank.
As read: 8,23,26
